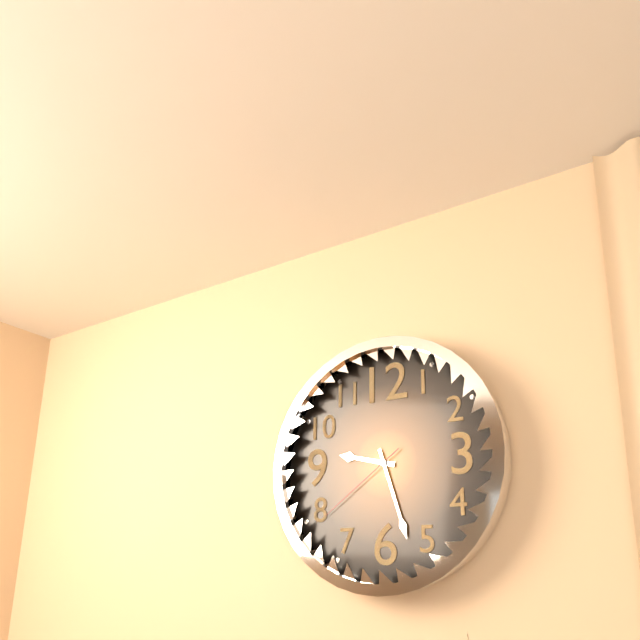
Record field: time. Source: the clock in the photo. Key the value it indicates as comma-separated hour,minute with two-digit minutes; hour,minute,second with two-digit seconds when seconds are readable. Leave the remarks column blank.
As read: 9,27,39
